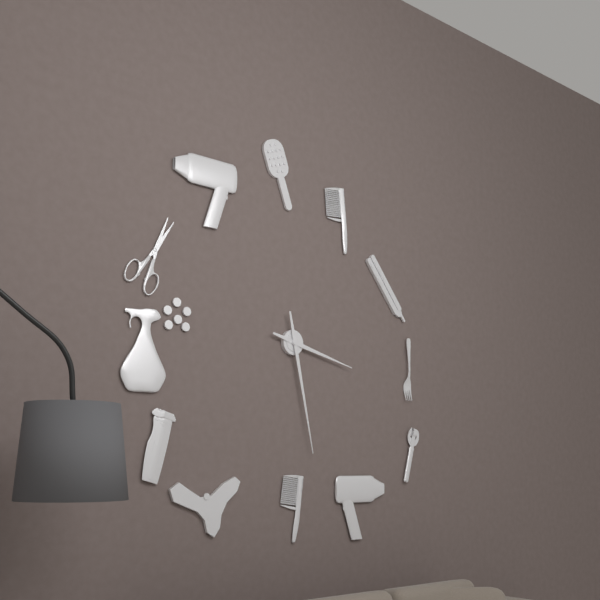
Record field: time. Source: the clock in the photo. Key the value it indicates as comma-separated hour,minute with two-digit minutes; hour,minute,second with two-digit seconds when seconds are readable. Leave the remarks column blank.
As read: 3,28
